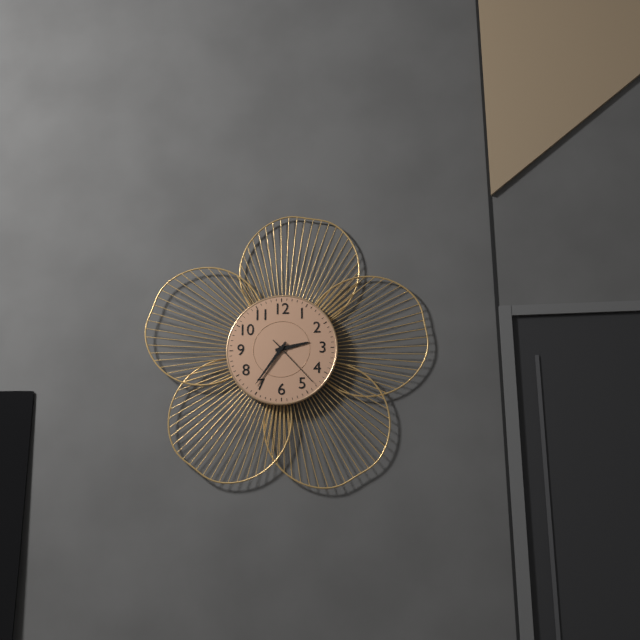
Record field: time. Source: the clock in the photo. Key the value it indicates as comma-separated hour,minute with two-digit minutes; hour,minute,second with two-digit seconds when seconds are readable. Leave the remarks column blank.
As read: 2,36,23
